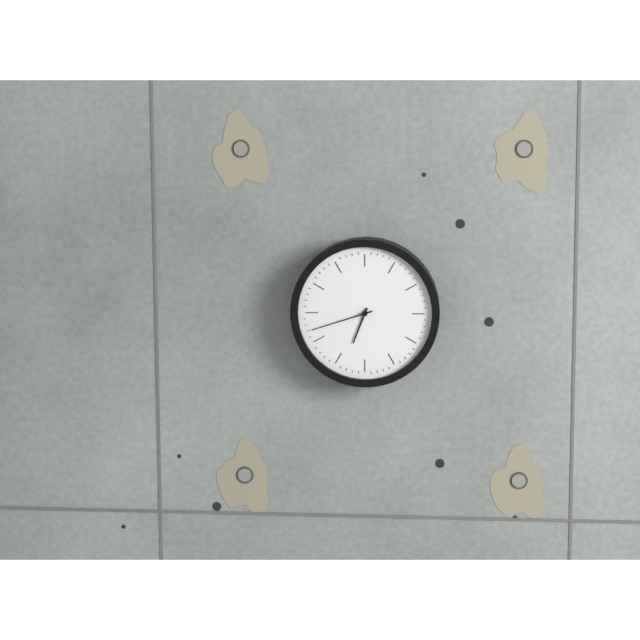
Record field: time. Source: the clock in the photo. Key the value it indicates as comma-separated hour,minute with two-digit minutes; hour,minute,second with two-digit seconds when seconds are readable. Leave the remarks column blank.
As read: 6,42
